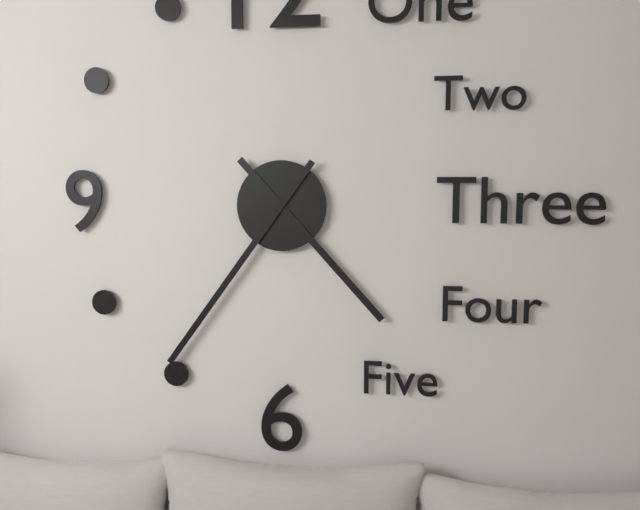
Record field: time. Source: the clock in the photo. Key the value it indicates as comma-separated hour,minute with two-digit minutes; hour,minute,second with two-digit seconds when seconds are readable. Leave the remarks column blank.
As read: 4,36
